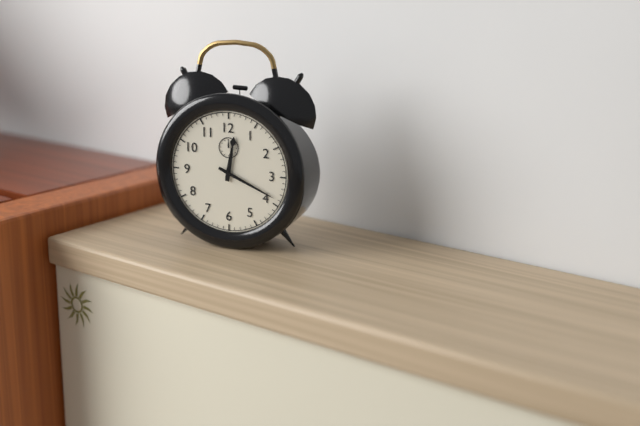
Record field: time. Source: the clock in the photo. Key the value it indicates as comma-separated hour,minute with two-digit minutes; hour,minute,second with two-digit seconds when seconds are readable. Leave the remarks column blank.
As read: 12,19
